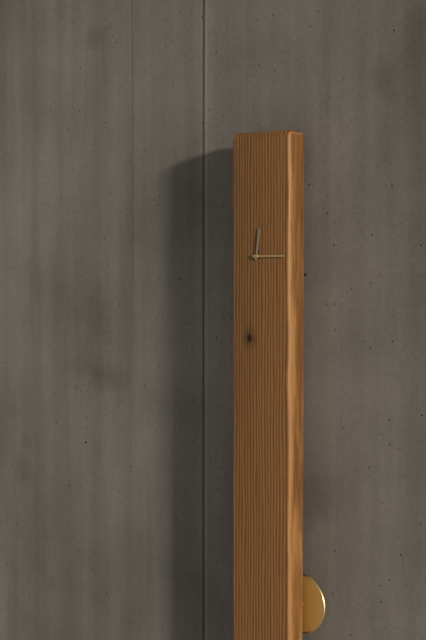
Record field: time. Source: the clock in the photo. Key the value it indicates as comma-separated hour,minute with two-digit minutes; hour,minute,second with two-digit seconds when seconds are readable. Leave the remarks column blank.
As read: 12,15
